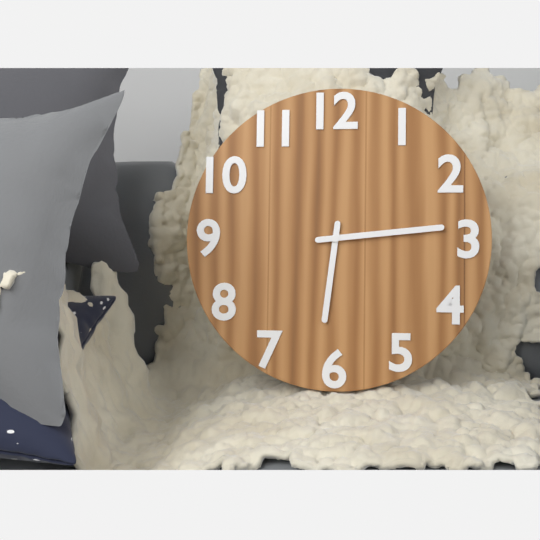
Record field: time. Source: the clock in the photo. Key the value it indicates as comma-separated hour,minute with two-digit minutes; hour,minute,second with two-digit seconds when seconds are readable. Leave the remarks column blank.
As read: 6,14
